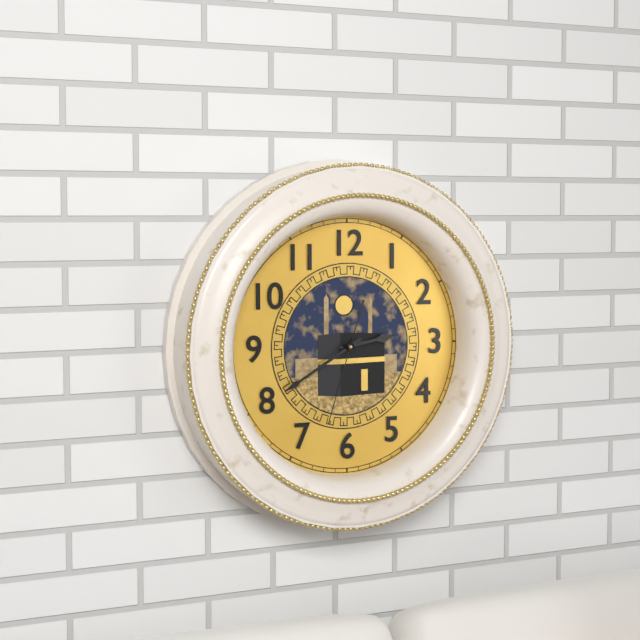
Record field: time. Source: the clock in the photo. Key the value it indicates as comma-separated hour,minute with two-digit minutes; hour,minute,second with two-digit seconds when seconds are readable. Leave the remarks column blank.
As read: 2,40,33
